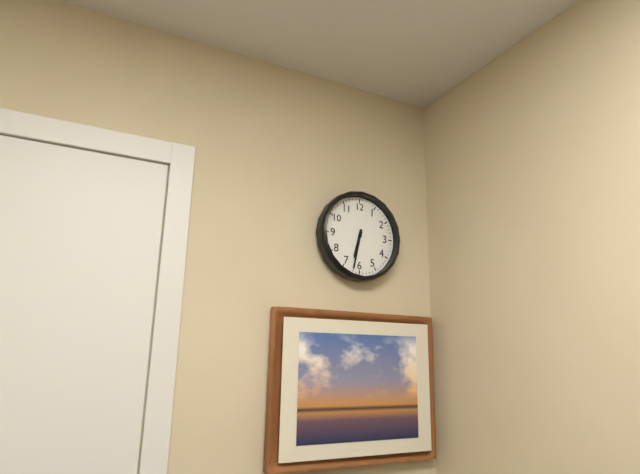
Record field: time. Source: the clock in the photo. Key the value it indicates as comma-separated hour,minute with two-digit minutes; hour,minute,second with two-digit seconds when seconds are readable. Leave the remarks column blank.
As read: 6,32
